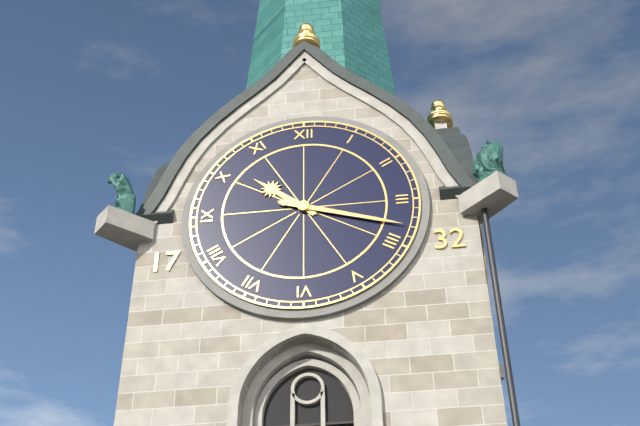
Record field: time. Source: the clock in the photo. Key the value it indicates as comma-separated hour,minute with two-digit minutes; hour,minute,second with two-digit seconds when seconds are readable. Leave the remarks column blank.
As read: 10,18
